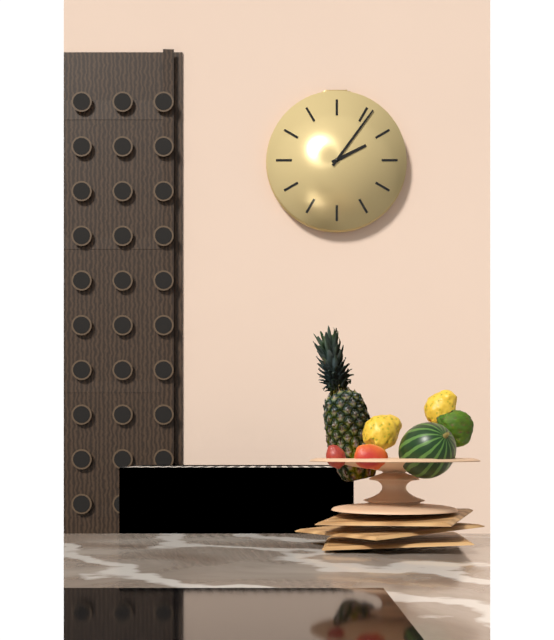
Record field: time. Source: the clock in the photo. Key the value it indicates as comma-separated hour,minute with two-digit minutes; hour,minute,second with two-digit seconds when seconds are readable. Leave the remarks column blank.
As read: 2,06
